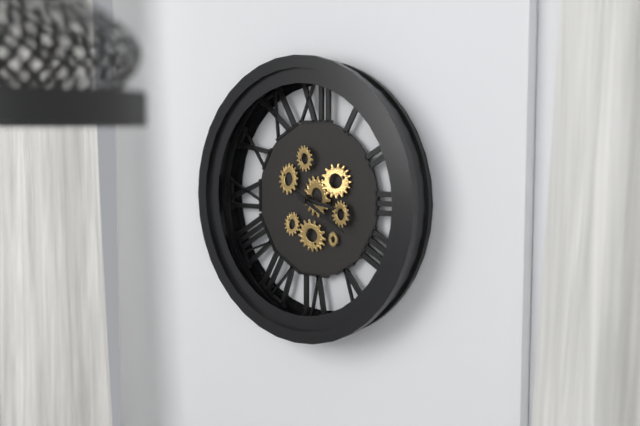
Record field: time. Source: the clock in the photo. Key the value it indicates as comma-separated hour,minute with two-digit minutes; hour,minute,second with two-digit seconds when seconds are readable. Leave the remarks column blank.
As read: 3,20
